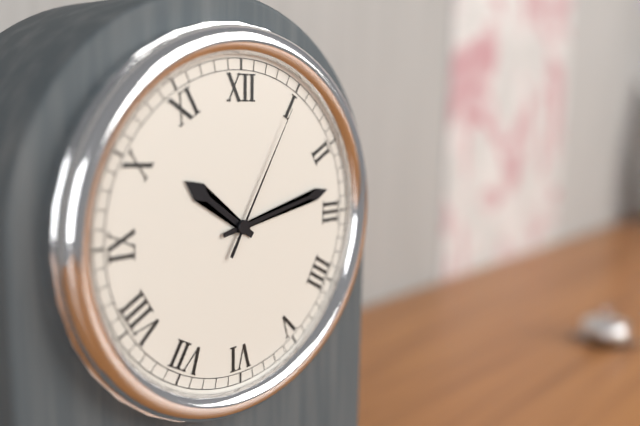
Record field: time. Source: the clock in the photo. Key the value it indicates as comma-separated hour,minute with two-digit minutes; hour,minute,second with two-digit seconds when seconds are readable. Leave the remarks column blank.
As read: 10,13,05
